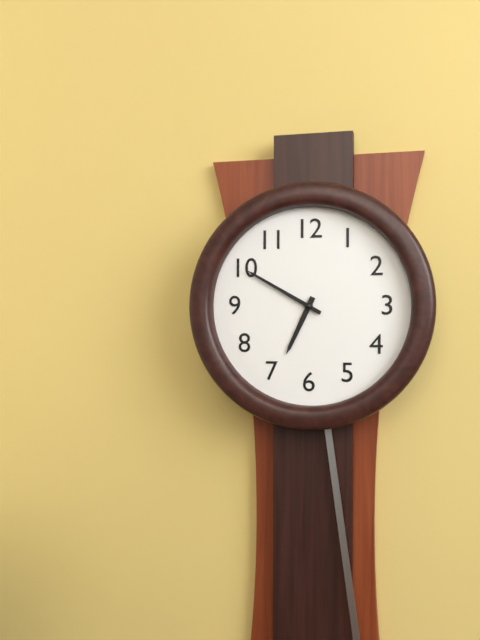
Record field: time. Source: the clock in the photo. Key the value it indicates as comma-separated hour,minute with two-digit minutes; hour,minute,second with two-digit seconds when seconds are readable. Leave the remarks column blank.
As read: 6,50
